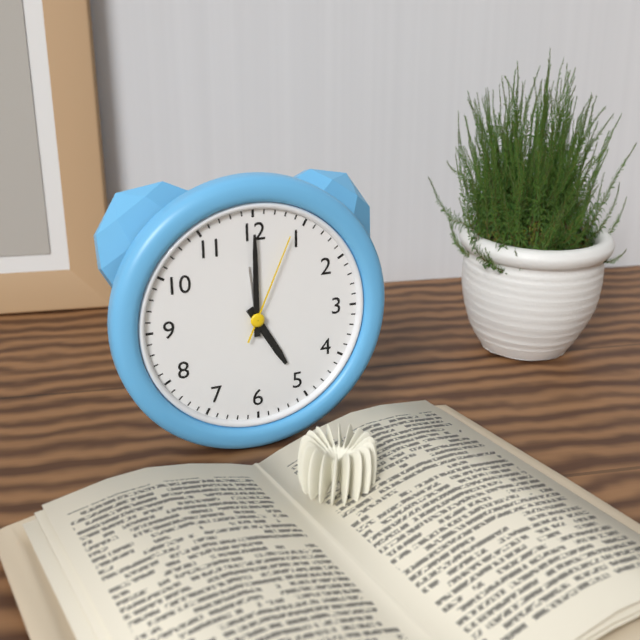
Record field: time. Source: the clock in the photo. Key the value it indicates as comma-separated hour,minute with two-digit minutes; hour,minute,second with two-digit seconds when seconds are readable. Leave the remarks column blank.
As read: 5,00,04
